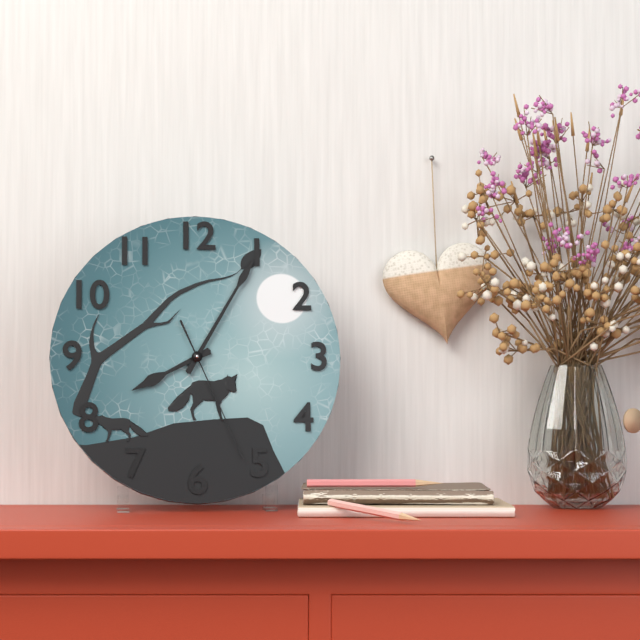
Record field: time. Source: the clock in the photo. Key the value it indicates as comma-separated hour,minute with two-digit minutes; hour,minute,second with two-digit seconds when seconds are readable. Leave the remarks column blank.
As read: 8,05,26
